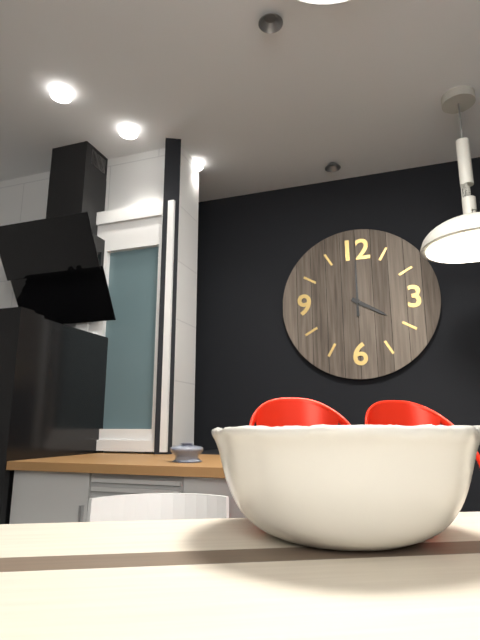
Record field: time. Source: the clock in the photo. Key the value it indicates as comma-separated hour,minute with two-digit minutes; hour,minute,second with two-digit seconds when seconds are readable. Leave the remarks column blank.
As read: 4,00
